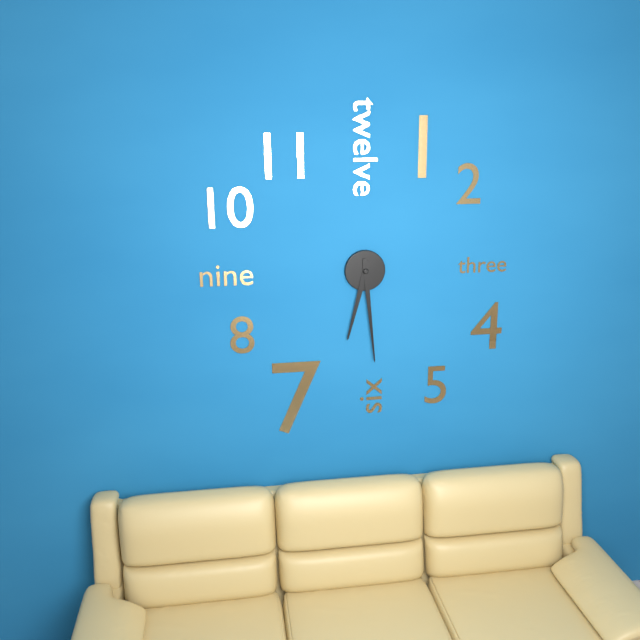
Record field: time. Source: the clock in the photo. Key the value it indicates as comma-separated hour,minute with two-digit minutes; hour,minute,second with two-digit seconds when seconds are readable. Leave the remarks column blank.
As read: 6,29
